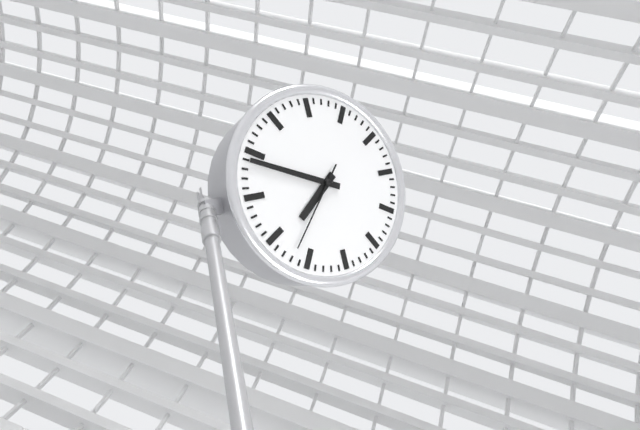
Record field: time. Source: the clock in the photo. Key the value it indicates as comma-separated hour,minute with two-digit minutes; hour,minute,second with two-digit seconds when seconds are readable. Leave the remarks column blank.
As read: 6,44,32
